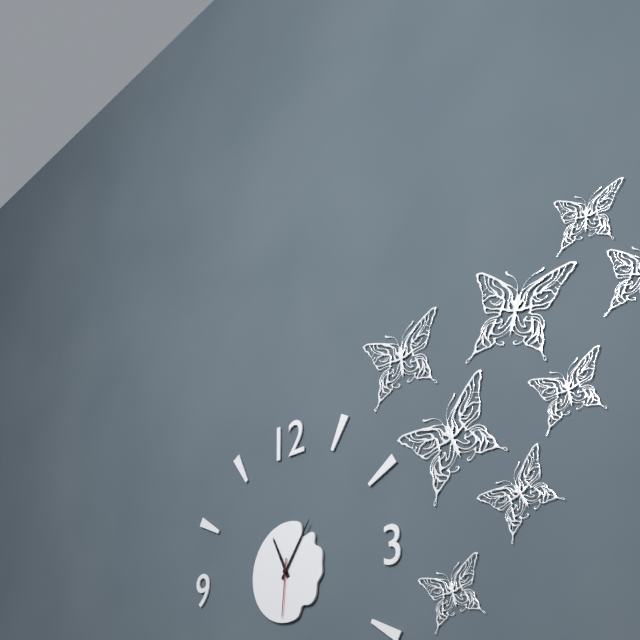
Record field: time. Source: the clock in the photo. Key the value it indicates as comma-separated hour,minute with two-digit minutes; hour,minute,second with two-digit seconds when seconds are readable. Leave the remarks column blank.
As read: 11,06,31
